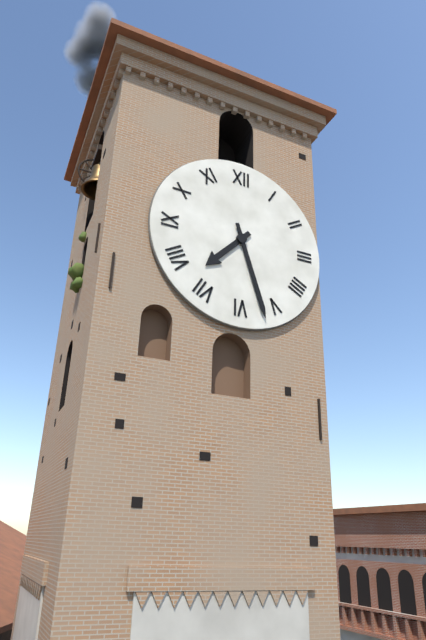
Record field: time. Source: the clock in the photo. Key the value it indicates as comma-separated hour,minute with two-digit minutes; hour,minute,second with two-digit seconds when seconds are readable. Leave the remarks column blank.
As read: 7,27
